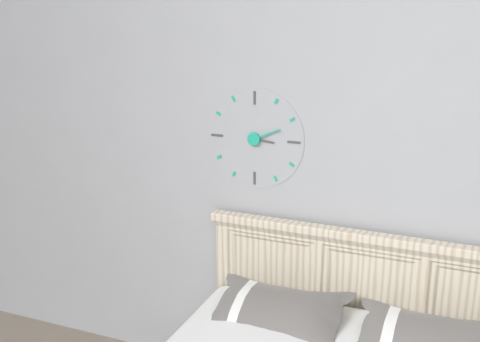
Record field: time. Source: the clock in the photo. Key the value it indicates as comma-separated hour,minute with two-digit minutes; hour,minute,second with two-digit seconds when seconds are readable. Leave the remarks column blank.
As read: 3,11
